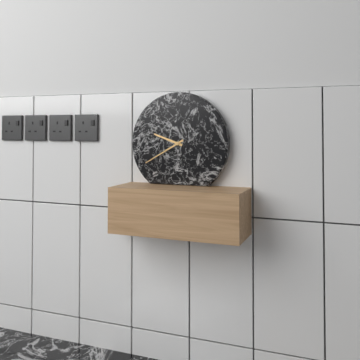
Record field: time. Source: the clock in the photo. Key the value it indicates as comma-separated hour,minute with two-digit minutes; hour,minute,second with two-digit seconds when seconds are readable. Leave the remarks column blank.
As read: 9,40
